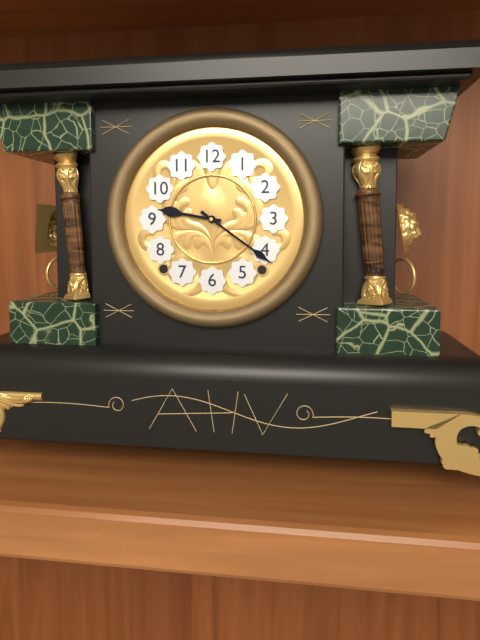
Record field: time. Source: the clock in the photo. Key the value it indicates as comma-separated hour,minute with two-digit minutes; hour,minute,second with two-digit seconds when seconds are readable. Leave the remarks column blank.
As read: 9,21
